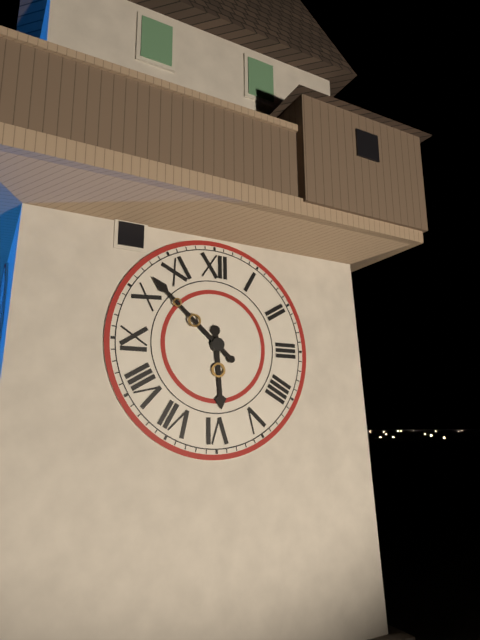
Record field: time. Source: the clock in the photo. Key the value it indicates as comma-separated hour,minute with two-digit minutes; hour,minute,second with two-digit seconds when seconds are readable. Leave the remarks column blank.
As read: 5,52
